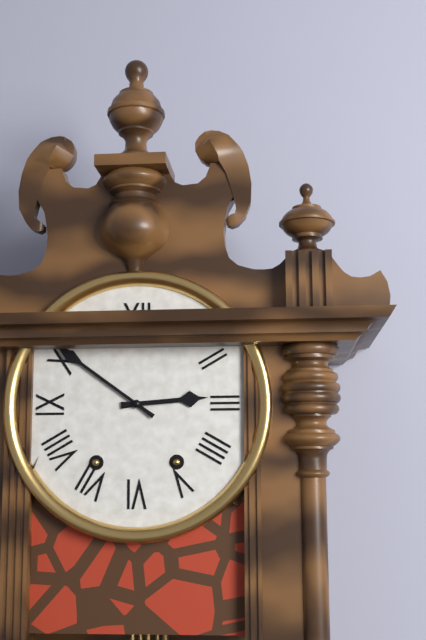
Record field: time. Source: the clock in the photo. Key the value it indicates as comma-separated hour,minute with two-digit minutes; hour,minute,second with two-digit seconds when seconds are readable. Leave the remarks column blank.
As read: 2,51
